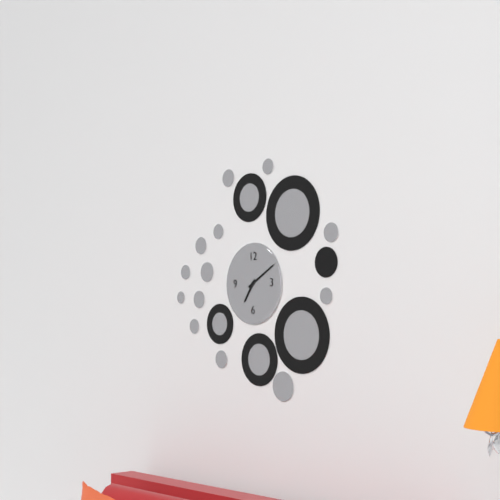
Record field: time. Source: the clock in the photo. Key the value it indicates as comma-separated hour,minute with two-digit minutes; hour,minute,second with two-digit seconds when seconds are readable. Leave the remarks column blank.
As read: 7,10
